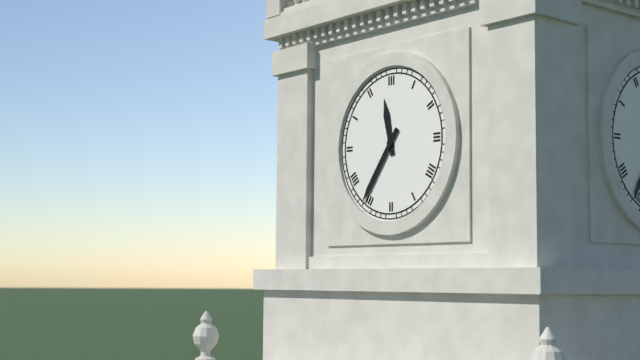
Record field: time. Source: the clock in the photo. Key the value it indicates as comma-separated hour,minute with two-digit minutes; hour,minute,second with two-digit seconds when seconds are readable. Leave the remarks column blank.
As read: 11,36
